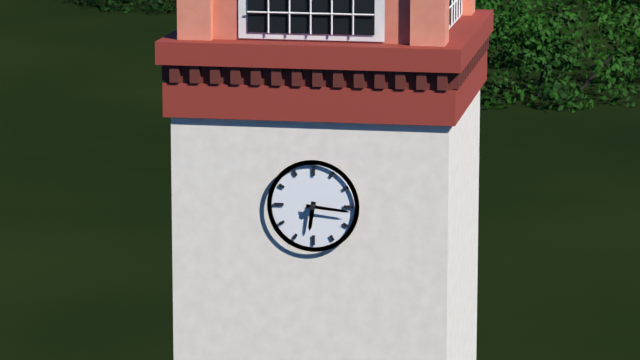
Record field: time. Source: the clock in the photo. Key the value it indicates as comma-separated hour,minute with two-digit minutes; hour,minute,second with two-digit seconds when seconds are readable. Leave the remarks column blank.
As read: 6,16
